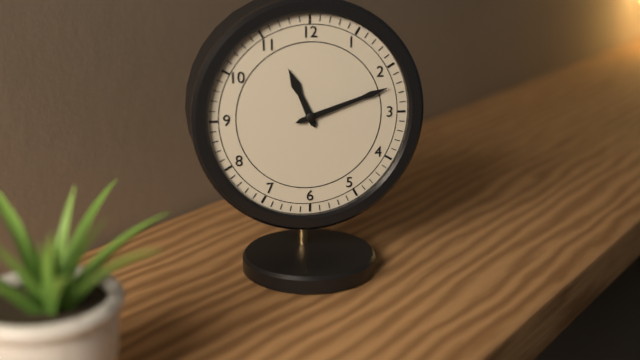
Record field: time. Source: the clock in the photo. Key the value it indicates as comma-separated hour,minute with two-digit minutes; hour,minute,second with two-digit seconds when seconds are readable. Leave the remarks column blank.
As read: 11,12
